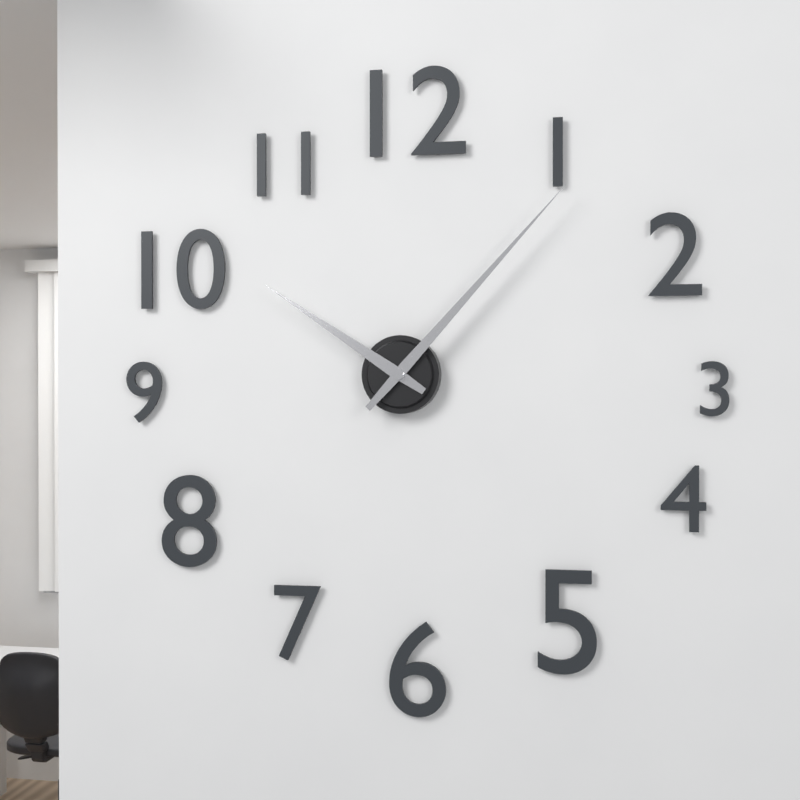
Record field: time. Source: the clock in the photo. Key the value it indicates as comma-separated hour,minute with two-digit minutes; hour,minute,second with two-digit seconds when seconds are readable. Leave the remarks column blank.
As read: 10,07
